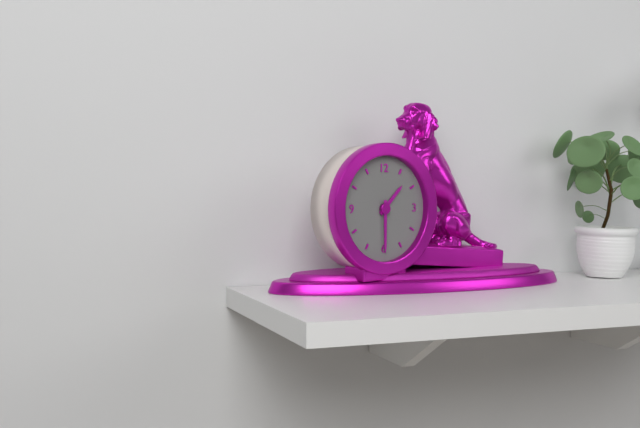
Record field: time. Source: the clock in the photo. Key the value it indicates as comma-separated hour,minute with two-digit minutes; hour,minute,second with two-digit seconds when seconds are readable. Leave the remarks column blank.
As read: 1,30
